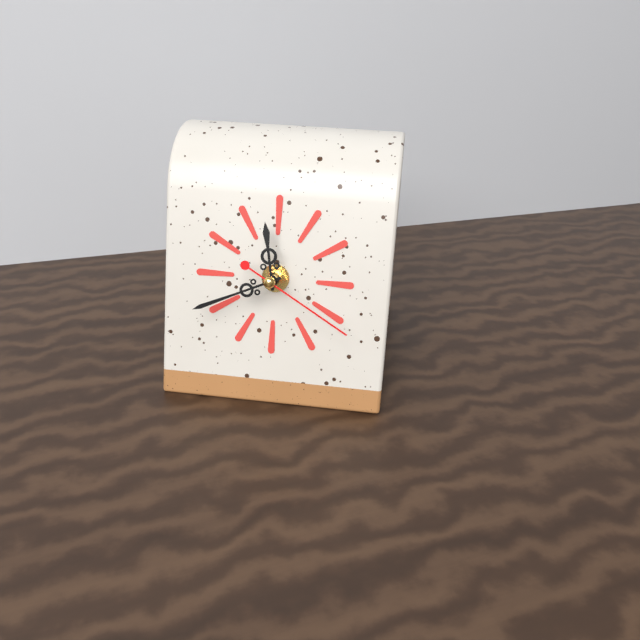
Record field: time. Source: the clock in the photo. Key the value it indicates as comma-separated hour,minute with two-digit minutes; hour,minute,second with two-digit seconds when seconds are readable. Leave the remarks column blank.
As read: 11,41,20
